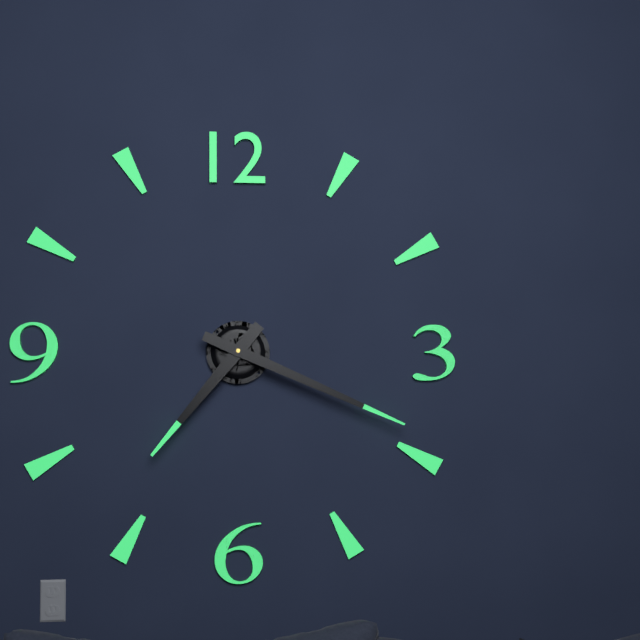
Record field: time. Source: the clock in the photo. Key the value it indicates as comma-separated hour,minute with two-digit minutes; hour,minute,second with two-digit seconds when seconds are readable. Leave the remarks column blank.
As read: 7,19
